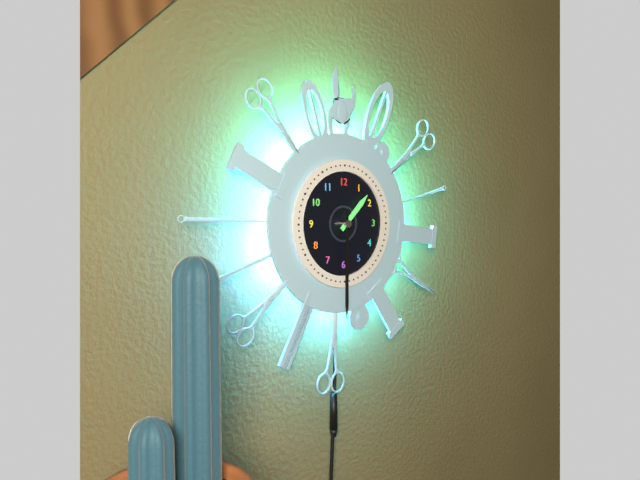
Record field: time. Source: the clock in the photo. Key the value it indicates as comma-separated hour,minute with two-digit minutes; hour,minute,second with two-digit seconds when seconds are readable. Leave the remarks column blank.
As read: 1,30
